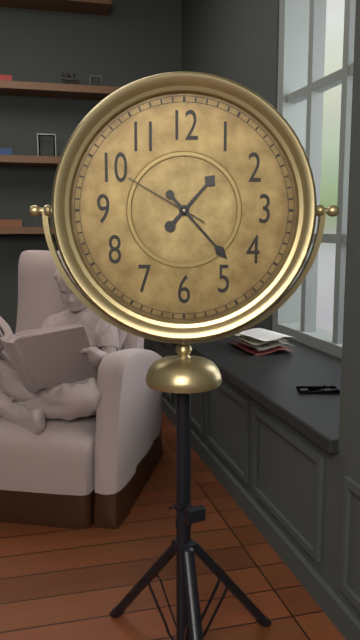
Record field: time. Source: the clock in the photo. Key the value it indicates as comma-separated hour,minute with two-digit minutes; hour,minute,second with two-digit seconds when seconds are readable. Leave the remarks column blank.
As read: 1,23,50
